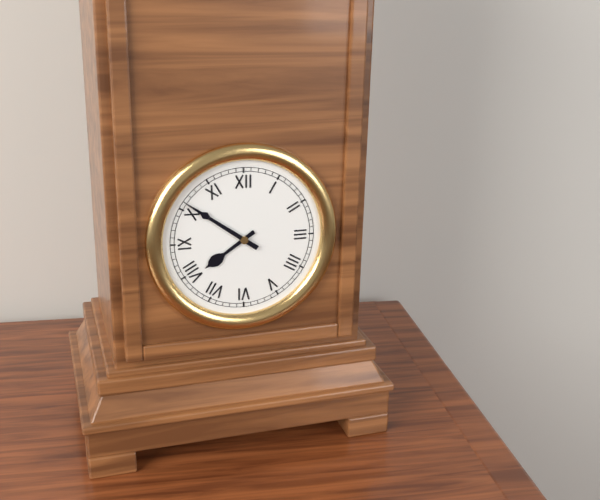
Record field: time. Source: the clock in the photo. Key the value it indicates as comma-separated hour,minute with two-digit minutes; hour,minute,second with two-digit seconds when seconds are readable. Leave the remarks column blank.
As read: 7,51
